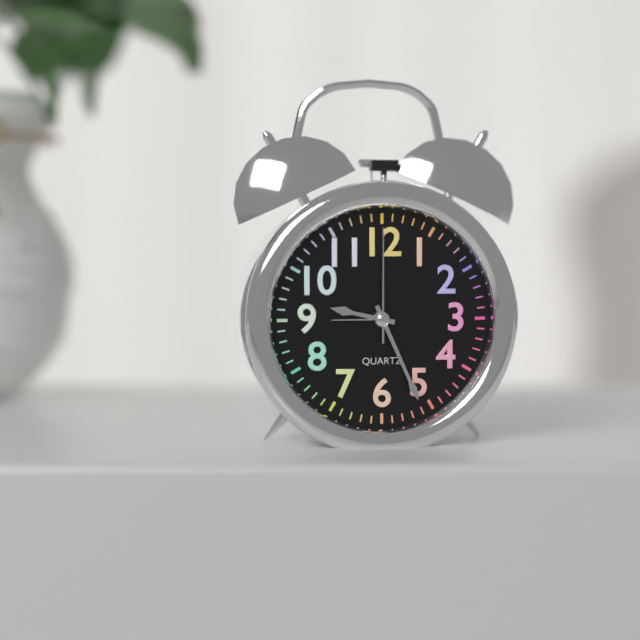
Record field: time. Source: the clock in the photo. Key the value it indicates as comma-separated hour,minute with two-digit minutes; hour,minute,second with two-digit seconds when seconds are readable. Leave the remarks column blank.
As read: 9,26,00
